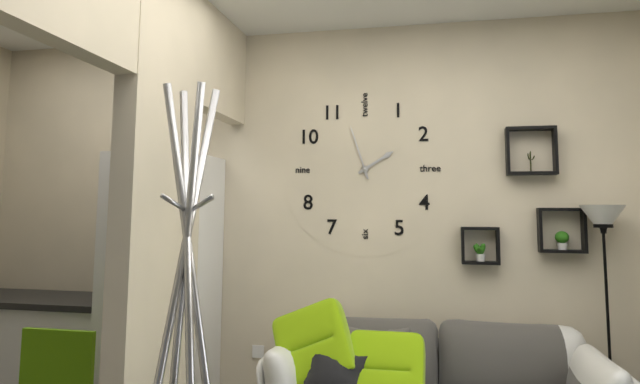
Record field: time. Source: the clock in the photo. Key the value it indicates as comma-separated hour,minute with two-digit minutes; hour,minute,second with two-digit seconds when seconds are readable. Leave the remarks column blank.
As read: 1,57
